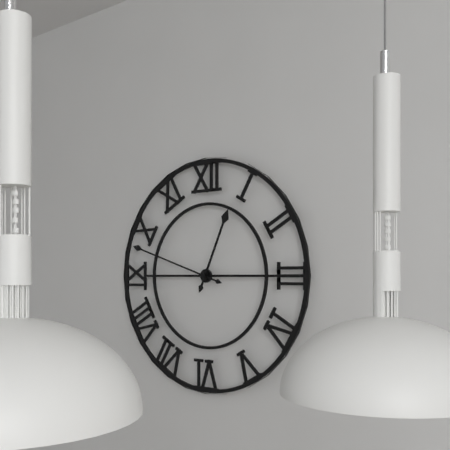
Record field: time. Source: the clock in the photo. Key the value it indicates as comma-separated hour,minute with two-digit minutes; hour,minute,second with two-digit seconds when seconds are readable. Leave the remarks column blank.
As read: 12,48
